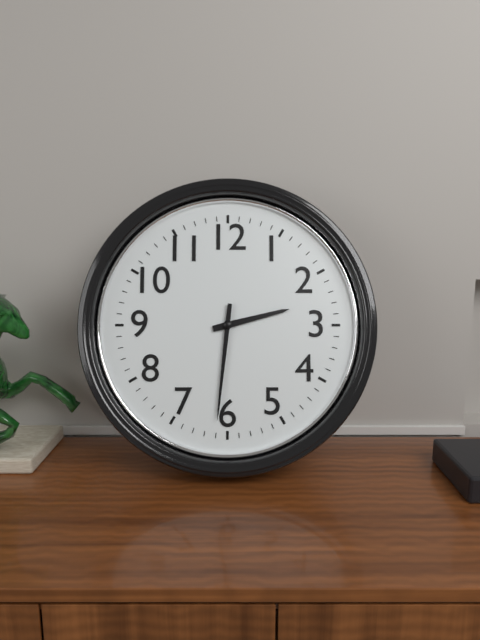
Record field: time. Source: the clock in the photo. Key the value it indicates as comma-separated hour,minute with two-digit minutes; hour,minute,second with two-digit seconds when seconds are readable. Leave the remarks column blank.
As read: 2,31
